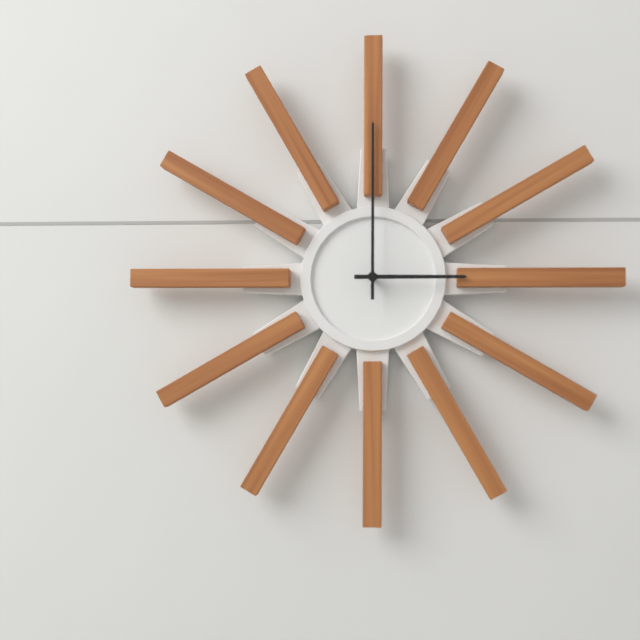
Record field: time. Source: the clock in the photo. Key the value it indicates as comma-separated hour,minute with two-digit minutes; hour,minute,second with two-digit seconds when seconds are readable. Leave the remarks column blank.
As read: 3,00
